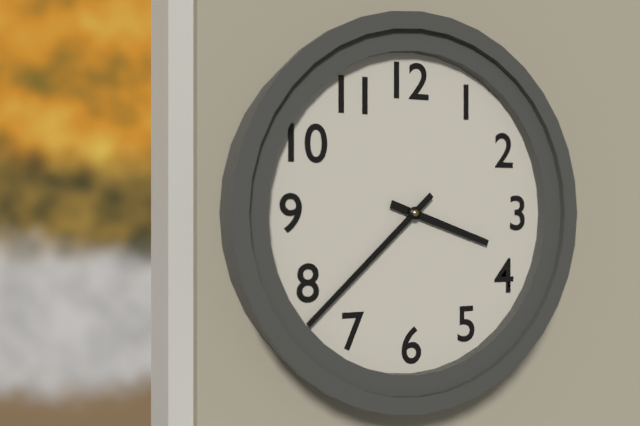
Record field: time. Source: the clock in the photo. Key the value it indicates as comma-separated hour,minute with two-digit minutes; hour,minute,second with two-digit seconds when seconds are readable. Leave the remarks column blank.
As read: 3,38
